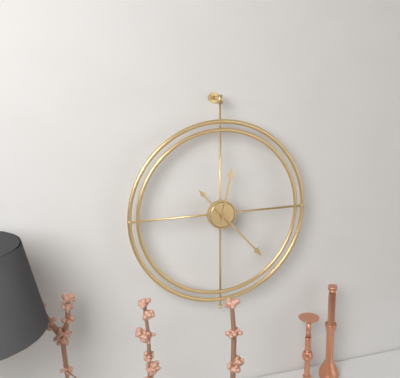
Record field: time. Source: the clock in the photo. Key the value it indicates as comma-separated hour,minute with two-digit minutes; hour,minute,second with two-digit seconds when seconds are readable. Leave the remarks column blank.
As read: 12,23
